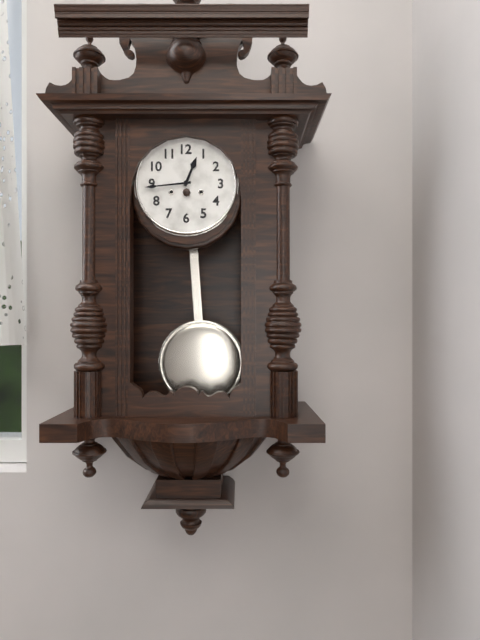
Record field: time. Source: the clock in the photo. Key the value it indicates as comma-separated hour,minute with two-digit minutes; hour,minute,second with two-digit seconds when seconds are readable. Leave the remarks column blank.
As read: 12,44
